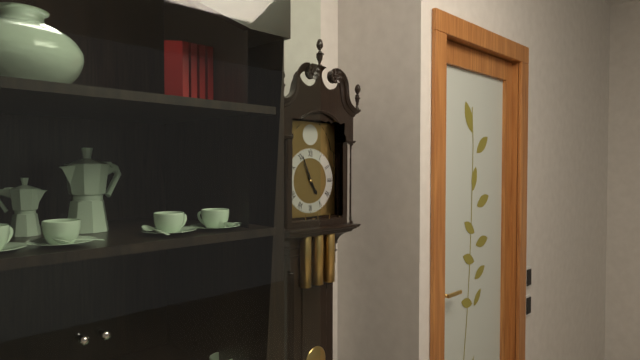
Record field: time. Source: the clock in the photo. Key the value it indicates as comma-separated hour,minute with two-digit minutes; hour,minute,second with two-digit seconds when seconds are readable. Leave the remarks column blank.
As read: 4,56
